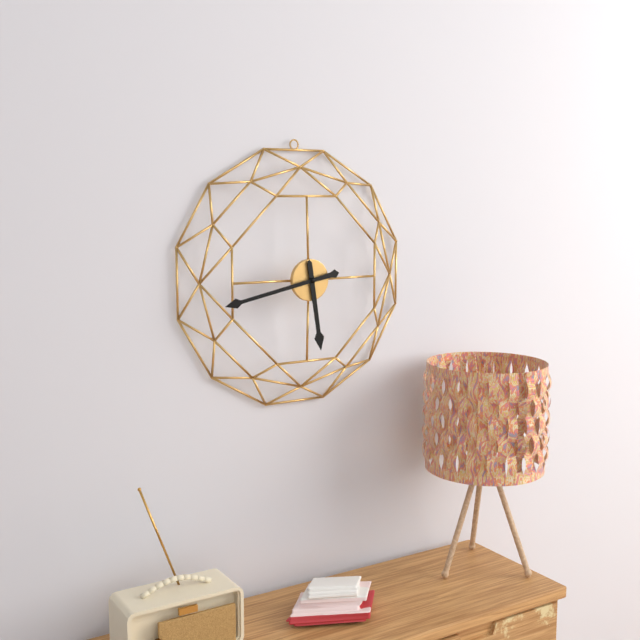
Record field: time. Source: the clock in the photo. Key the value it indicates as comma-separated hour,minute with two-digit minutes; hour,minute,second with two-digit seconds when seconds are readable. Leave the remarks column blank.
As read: 5,43
